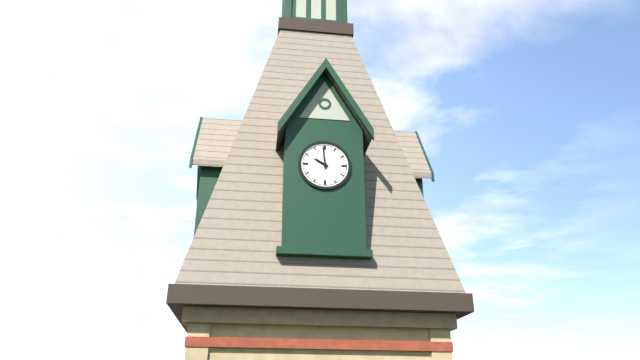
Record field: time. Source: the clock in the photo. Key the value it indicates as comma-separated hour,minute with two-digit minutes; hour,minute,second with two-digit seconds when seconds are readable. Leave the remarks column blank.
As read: 9,59
